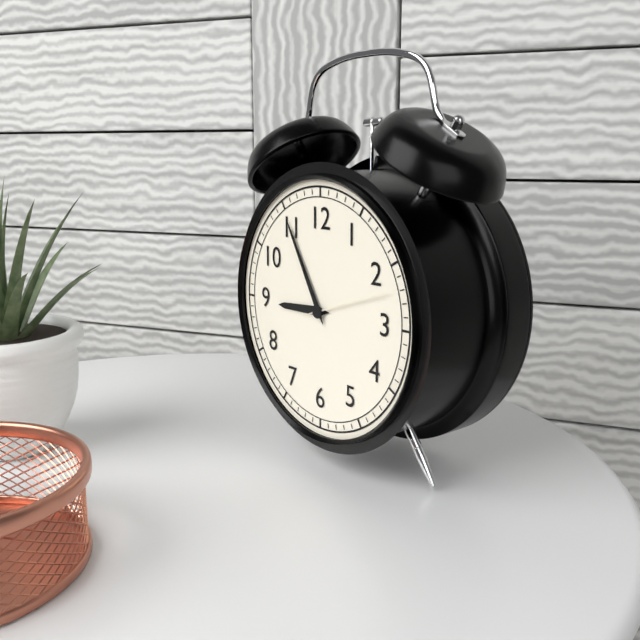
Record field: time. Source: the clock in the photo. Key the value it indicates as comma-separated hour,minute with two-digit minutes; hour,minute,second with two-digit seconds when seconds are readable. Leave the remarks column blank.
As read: 8,55,12
